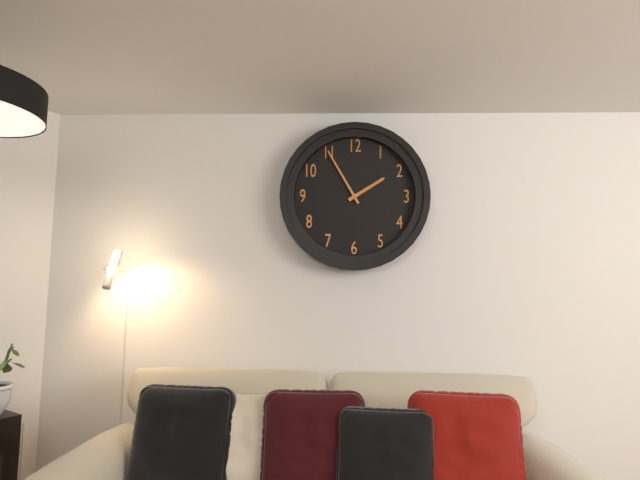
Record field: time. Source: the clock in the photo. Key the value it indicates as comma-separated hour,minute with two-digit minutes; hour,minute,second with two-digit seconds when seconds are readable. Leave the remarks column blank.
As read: 1,55
